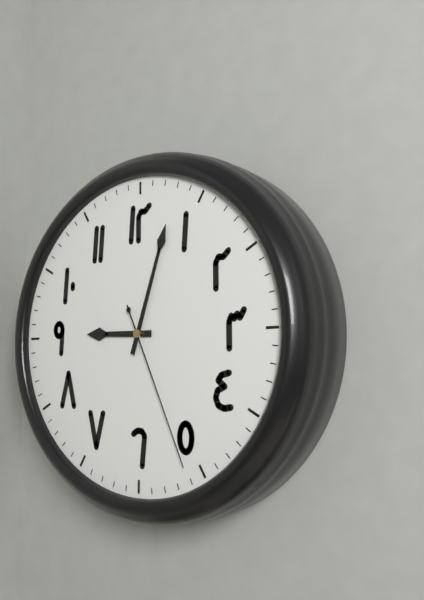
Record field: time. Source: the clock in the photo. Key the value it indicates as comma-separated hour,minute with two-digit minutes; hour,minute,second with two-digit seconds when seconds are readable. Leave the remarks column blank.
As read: 9,03,26
